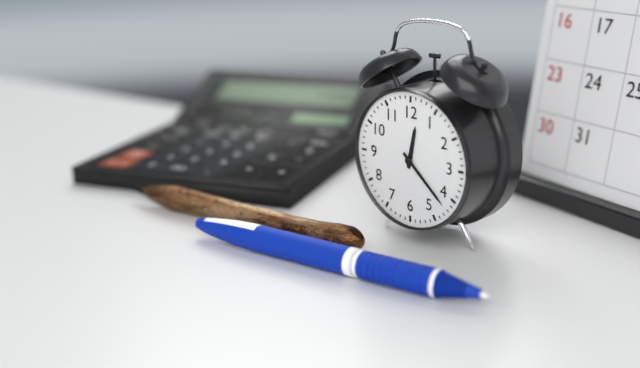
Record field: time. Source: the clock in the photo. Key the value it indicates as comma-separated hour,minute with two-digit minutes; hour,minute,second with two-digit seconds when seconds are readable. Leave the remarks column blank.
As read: 12,22
